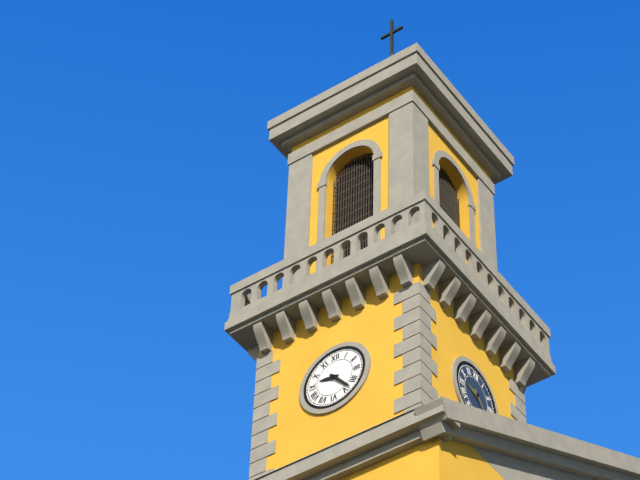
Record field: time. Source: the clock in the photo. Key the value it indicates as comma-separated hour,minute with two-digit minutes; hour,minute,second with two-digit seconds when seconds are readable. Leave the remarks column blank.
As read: 9,23
